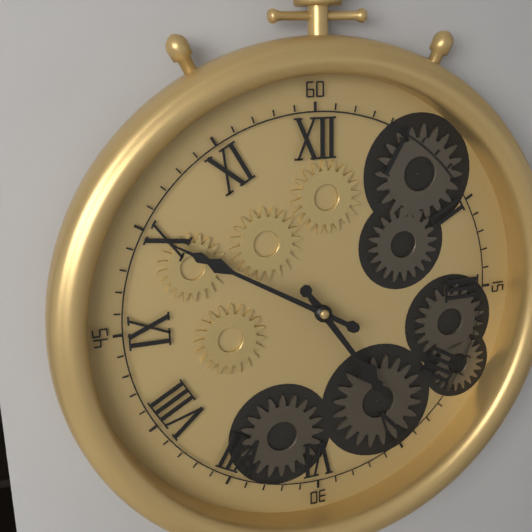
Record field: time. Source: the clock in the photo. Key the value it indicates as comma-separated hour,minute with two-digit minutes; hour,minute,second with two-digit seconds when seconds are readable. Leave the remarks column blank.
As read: 4,50
